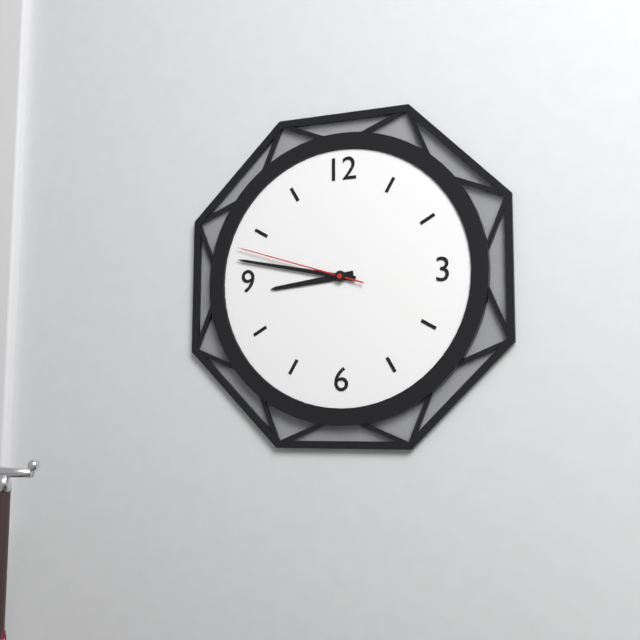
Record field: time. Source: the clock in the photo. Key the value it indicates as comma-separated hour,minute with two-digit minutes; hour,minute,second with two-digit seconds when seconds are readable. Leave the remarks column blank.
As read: 8,47,48
